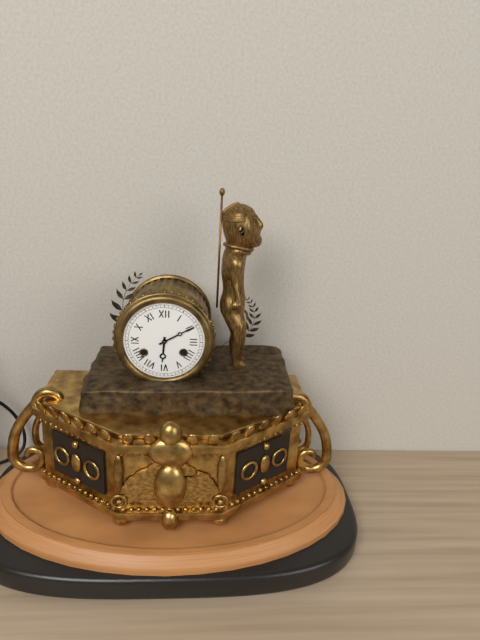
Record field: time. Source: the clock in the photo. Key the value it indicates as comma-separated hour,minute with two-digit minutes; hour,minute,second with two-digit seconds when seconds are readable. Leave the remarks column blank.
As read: 6,10
